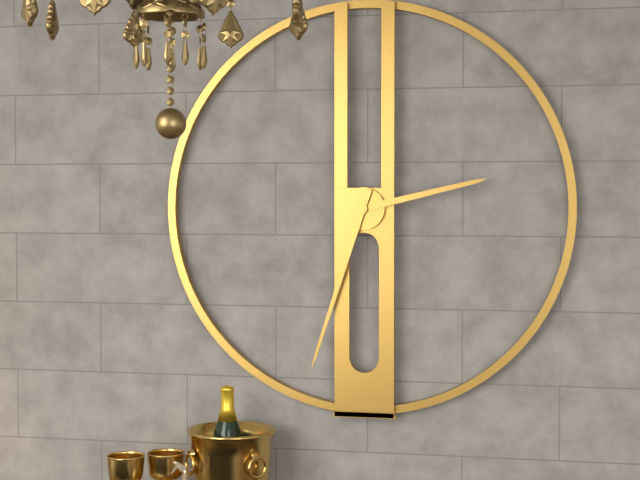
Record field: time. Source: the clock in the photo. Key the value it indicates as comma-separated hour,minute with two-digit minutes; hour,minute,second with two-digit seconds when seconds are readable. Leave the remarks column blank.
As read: 2,33
